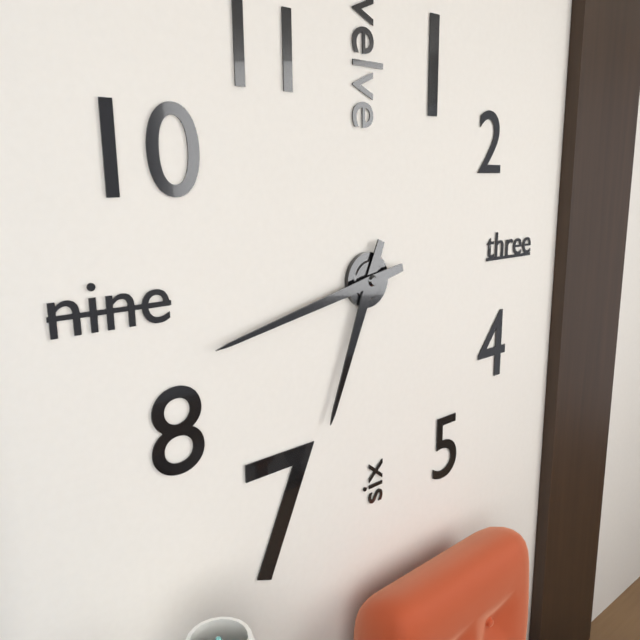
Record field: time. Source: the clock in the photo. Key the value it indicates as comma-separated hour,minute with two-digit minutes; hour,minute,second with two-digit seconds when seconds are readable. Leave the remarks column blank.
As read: 6,43
